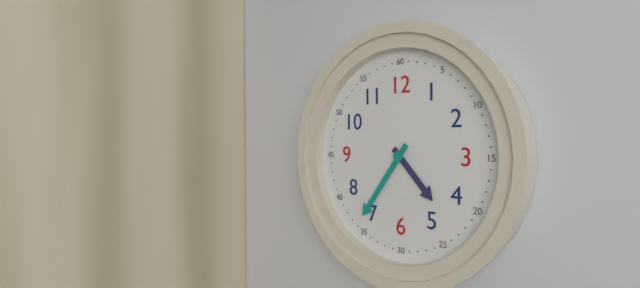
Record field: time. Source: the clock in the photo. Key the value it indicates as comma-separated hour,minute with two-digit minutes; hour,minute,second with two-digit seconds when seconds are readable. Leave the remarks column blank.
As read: 4,36
